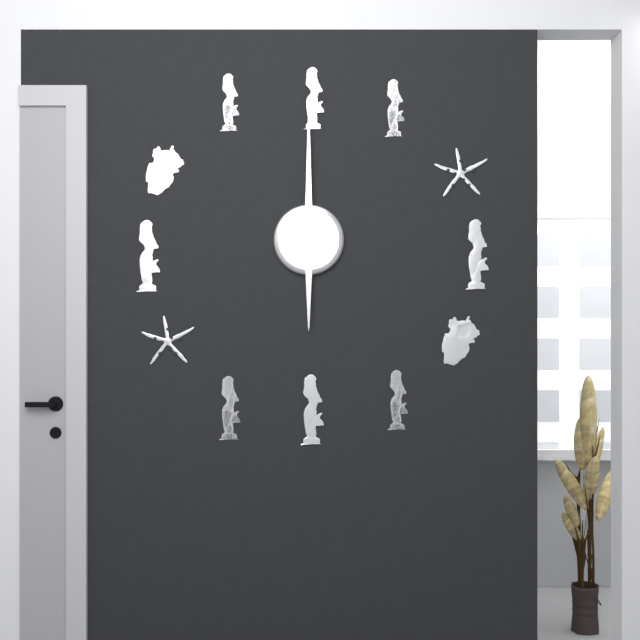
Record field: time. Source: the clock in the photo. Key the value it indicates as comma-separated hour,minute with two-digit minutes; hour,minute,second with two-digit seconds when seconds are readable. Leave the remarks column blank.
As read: 6,00
